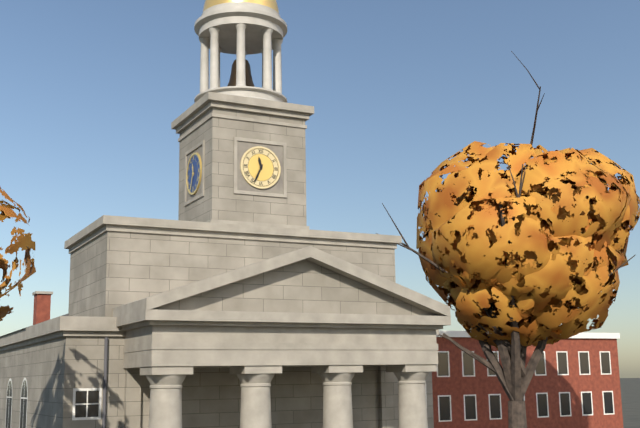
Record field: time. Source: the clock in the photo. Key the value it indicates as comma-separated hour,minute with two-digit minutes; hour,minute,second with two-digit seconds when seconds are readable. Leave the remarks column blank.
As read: 11,34
